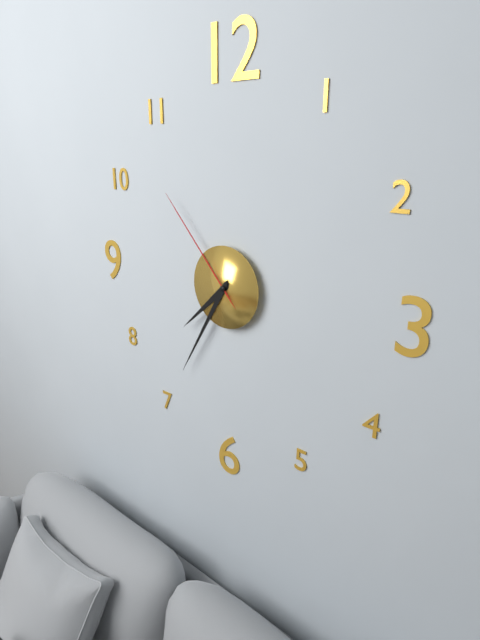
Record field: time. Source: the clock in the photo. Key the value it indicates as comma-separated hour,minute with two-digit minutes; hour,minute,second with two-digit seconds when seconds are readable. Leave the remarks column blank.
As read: 7,35,53
